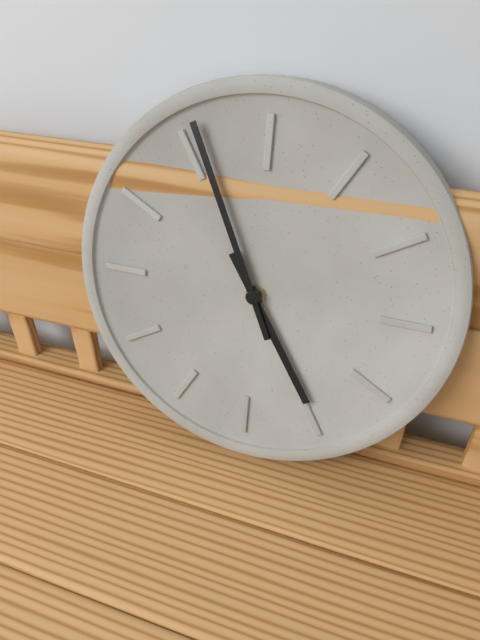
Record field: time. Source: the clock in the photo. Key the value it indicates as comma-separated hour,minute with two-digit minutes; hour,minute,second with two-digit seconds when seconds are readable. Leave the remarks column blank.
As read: 4,56
